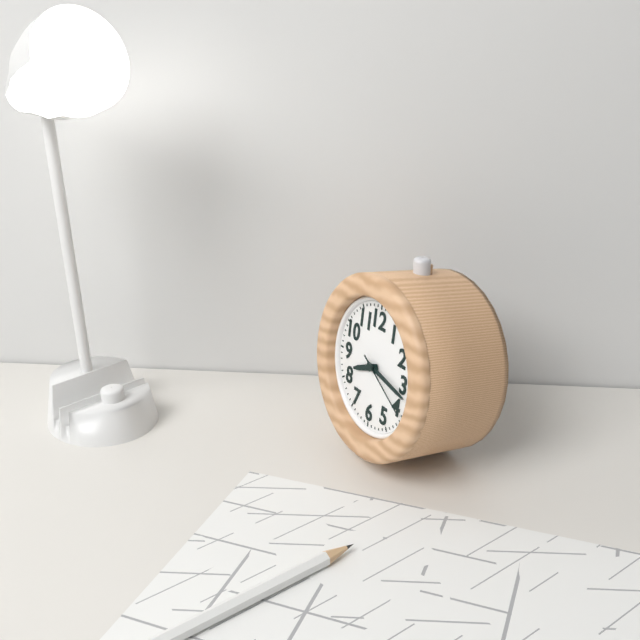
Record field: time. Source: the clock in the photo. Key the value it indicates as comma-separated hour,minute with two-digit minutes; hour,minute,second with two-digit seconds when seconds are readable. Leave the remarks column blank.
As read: 8,17,20
